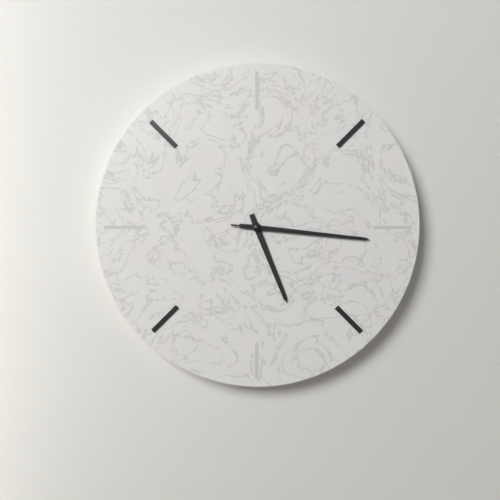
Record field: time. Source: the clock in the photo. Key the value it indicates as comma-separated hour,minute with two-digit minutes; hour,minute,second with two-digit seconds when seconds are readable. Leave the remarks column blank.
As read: 5,16,16
